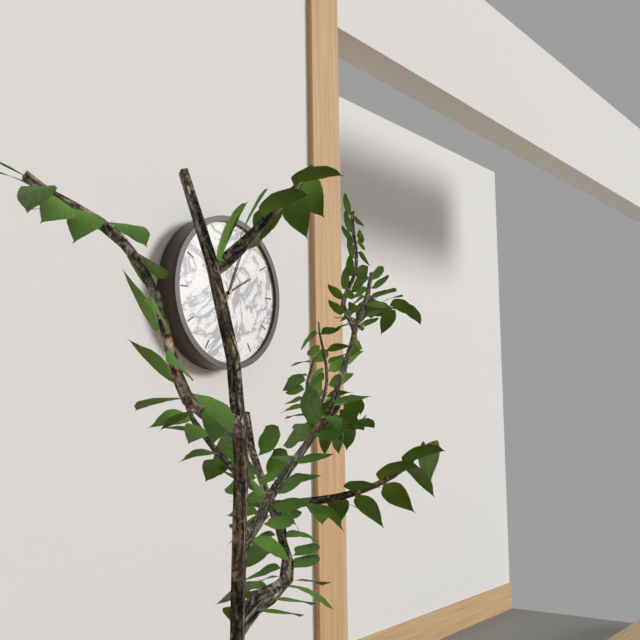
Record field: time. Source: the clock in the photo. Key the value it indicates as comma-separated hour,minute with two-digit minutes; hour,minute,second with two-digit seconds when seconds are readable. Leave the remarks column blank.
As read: 2,04,06
